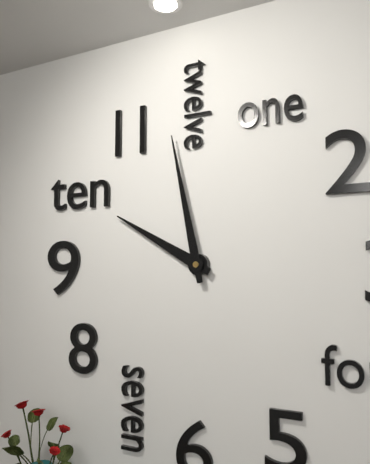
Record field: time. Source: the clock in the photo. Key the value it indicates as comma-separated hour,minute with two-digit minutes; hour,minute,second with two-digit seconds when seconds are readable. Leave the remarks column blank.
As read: 9,58
